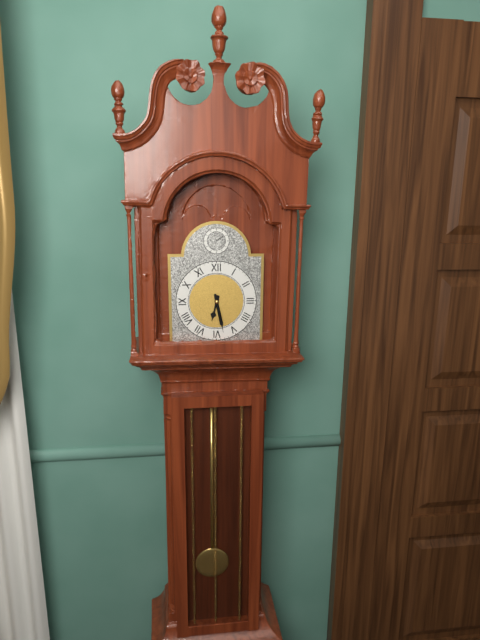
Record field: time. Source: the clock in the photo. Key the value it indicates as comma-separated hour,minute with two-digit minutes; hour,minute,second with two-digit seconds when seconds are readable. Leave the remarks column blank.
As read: 6,28
